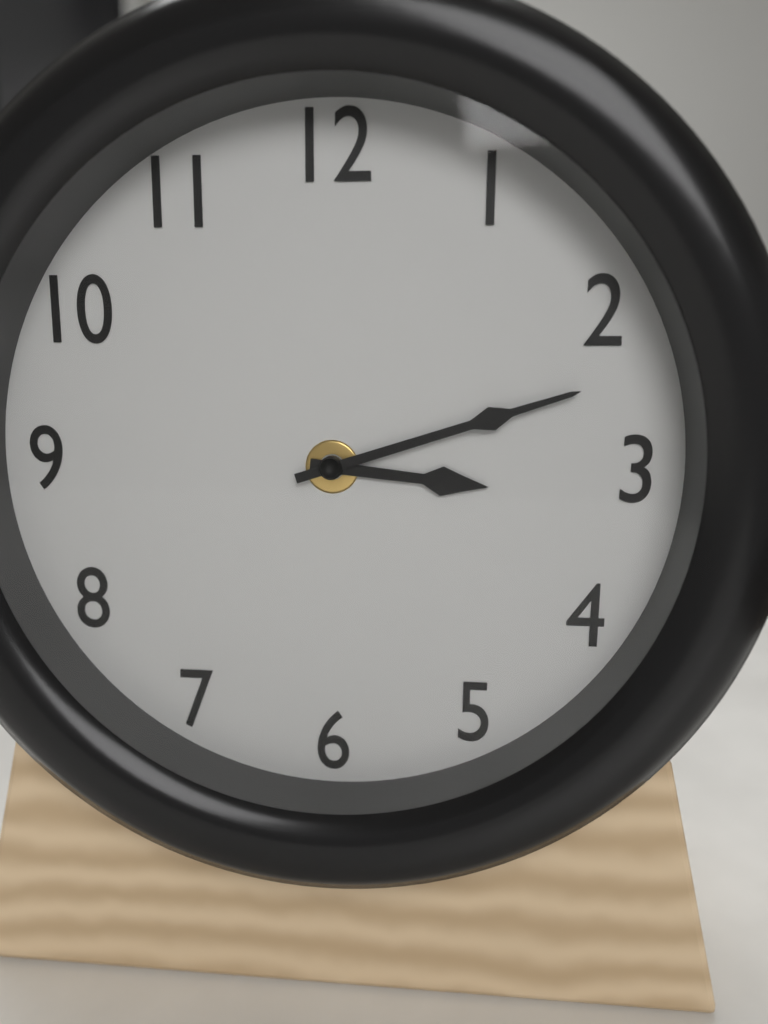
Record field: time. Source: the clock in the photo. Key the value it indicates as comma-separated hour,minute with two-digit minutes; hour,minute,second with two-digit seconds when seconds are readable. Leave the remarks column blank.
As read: 3,12
